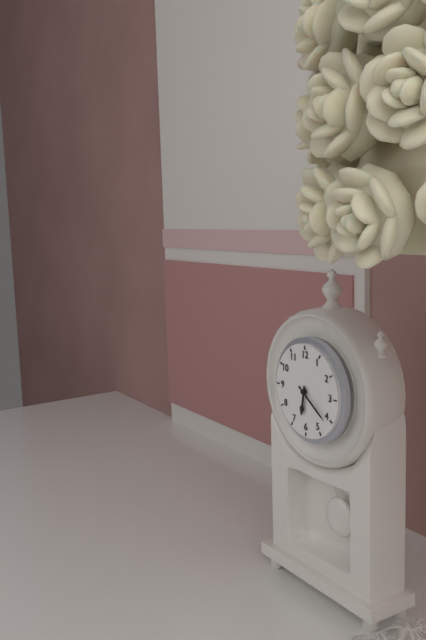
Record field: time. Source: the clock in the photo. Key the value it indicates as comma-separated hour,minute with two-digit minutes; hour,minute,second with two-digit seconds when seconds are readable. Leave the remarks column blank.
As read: 6,21
